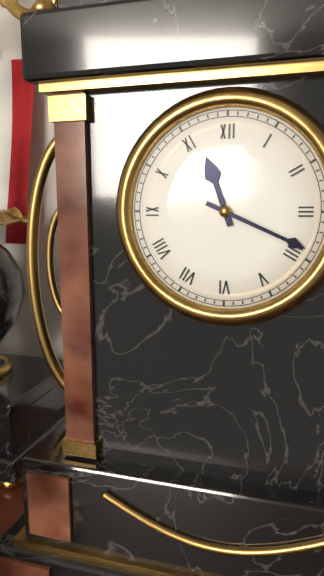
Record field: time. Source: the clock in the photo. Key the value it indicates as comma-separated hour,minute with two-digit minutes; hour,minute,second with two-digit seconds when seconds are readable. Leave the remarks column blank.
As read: 11,19
